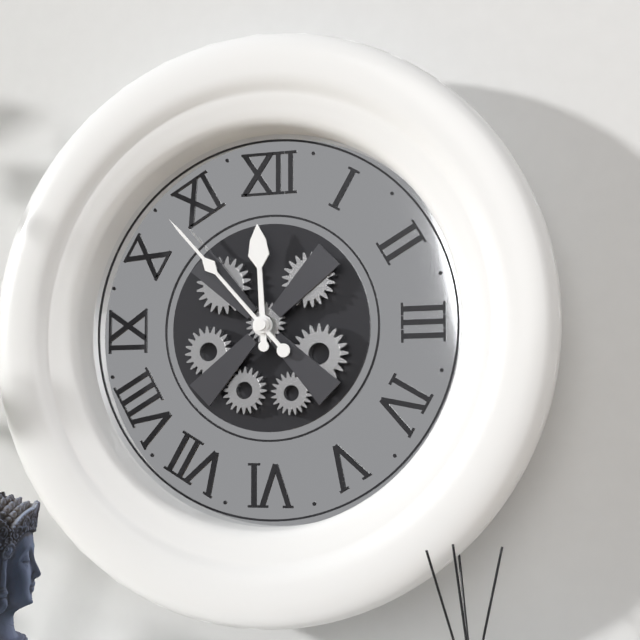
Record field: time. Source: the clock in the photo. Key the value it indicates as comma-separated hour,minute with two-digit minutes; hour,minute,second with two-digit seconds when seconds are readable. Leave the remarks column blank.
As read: 11,53
